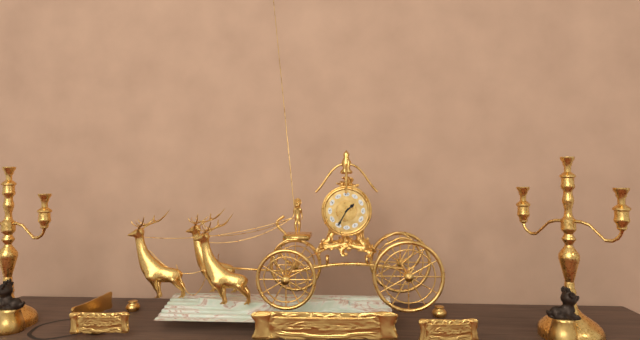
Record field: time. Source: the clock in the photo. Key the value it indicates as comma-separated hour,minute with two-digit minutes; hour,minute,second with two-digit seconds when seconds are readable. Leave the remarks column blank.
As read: 1,35
